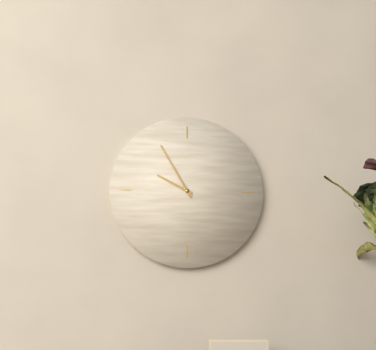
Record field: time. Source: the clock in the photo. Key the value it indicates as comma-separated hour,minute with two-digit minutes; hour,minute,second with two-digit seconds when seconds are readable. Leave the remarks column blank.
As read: 9,55
